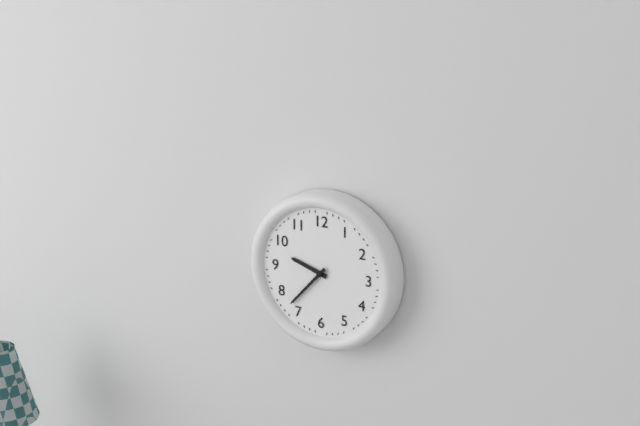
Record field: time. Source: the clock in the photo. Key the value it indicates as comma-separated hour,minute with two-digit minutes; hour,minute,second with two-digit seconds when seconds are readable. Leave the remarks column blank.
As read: 9,37
